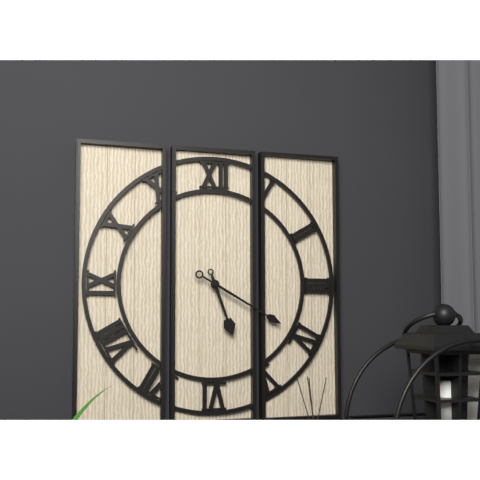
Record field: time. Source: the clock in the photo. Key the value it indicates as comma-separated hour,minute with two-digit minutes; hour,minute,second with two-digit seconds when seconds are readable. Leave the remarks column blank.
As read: 5,20
